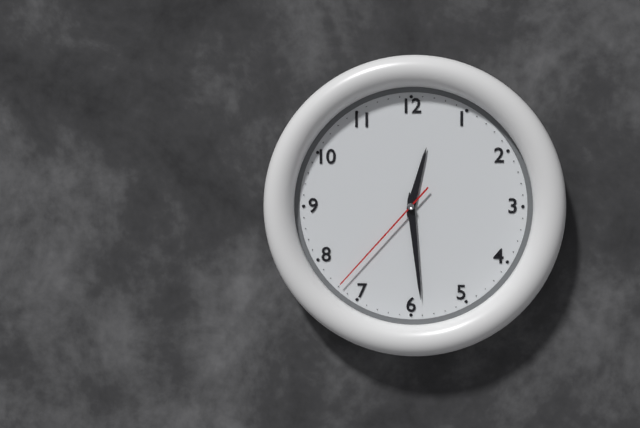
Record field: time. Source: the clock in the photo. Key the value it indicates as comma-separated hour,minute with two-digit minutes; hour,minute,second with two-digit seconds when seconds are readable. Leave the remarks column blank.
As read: 12,29,37
